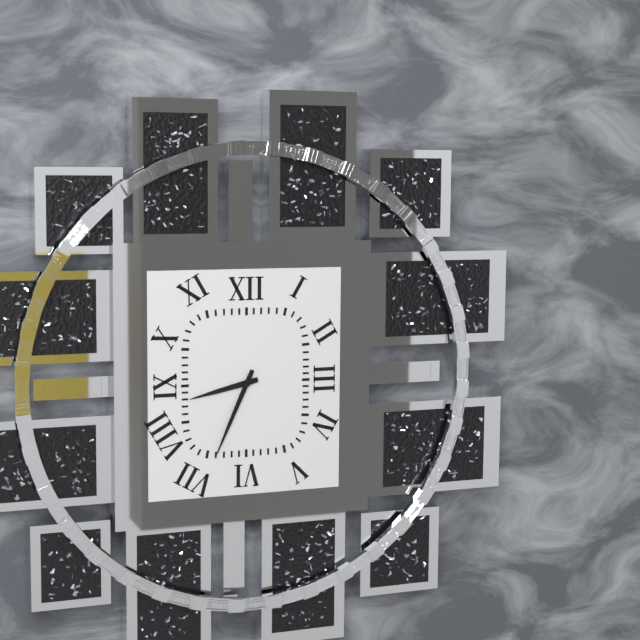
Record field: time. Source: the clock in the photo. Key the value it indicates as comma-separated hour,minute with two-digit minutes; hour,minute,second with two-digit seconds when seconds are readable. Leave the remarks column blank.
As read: 8,34
